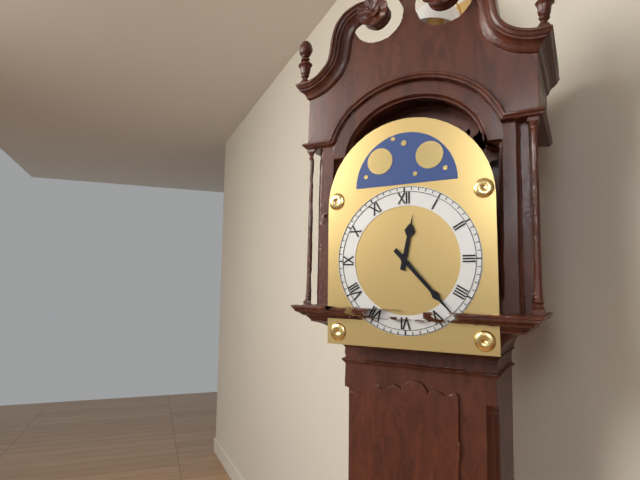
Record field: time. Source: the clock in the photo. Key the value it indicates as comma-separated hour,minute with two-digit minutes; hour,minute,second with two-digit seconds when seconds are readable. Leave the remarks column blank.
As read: 12,23
